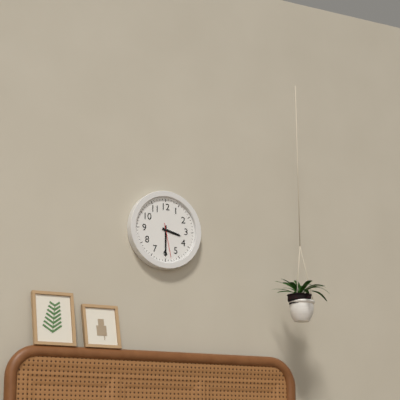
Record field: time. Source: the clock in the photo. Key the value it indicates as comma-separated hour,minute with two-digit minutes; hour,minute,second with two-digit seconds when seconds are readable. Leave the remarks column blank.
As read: 3,30
